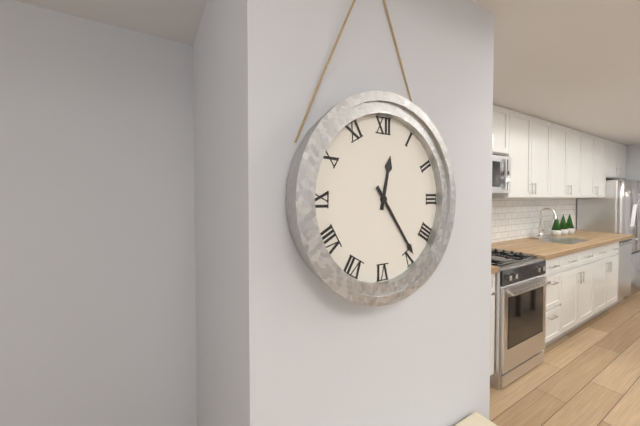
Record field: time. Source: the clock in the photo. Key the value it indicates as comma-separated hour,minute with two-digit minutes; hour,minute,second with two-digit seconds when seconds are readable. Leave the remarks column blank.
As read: 12,24
